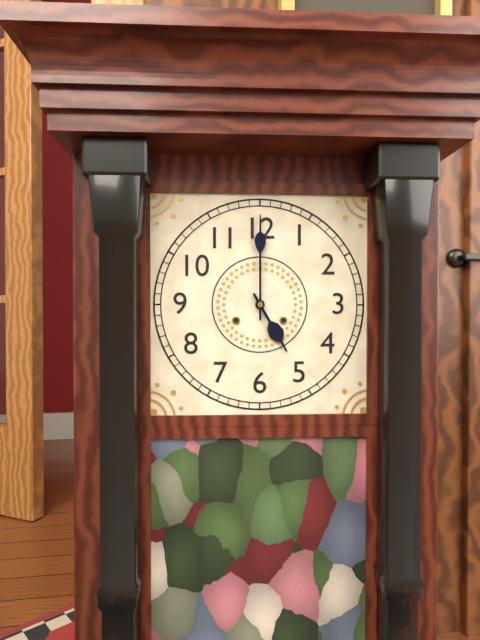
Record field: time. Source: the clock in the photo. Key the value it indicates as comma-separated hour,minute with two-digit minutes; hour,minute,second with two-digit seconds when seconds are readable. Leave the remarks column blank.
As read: 5,00
